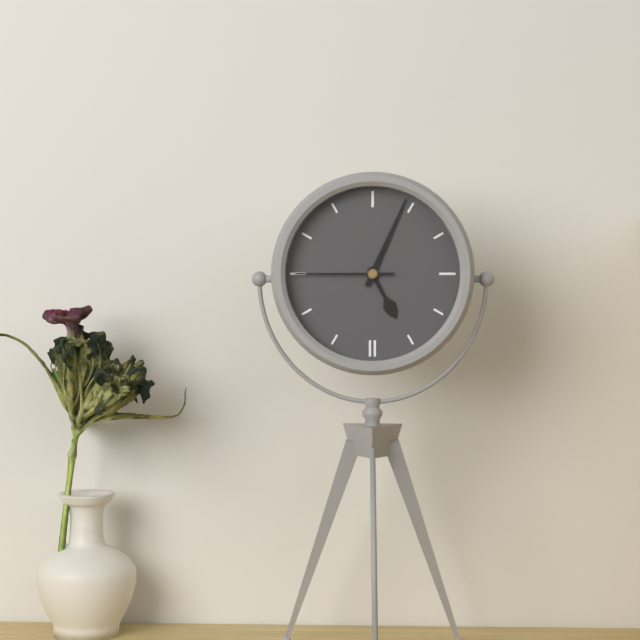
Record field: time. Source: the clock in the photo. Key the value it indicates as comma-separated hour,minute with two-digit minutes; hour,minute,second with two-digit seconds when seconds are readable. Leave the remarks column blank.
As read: 5,04,45
